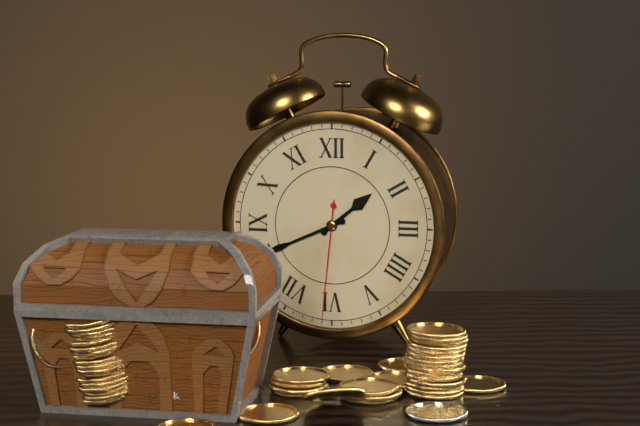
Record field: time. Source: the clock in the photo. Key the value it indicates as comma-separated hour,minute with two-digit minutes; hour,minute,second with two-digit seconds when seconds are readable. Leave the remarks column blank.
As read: 1,41,31
